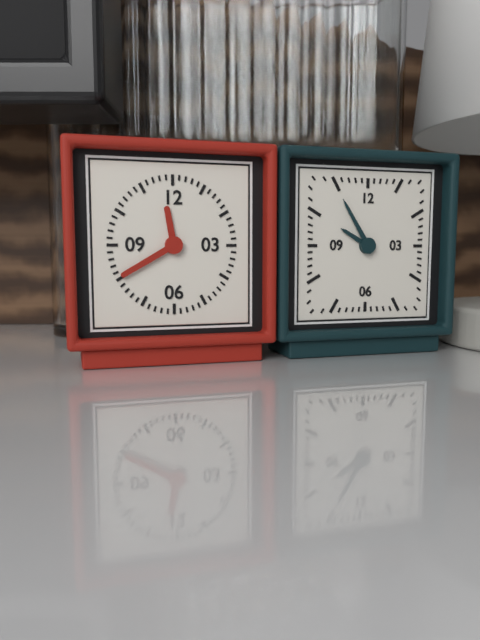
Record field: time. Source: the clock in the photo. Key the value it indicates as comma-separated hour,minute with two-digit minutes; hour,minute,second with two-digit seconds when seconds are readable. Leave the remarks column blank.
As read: 11,40
